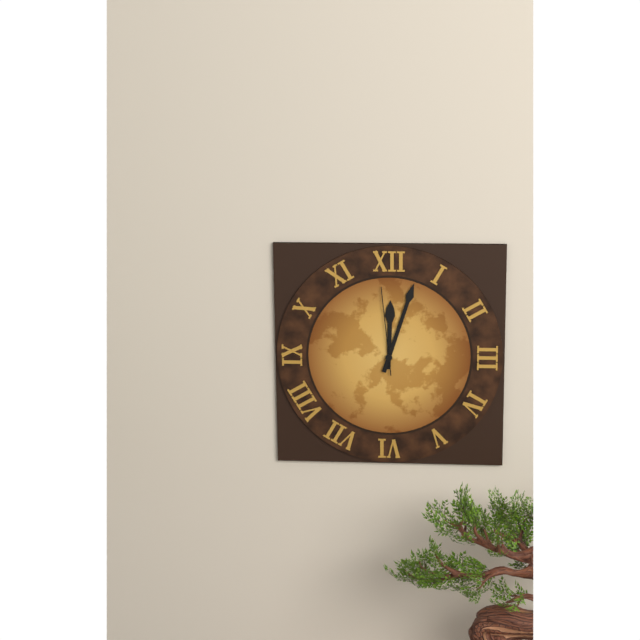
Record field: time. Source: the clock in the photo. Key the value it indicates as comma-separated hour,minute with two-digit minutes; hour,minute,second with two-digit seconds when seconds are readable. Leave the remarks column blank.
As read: 12,03,59
